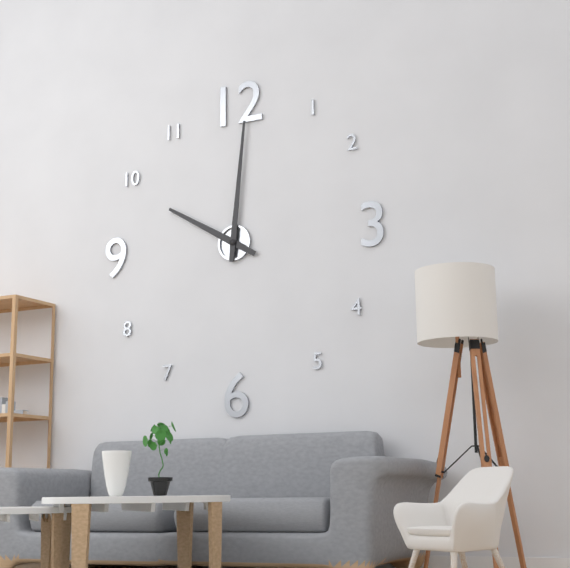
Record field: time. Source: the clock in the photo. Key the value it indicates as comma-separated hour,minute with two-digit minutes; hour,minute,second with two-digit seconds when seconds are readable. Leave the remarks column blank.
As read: 10,01
